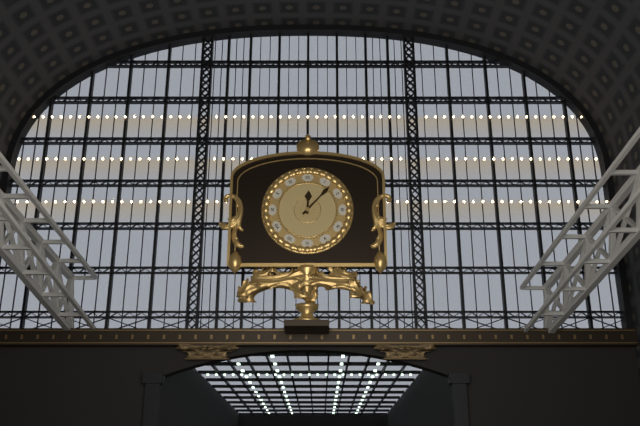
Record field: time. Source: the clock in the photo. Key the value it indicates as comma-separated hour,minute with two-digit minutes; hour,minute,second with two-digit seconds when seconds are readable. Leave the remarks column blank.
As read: 12,07
